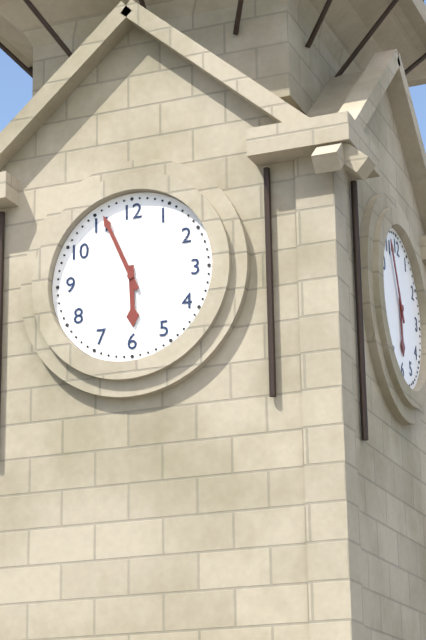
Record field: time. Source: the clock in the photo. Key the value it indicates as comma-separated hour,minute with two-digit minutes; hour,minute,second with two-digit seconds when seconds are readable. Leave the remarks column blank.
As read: 5,56
